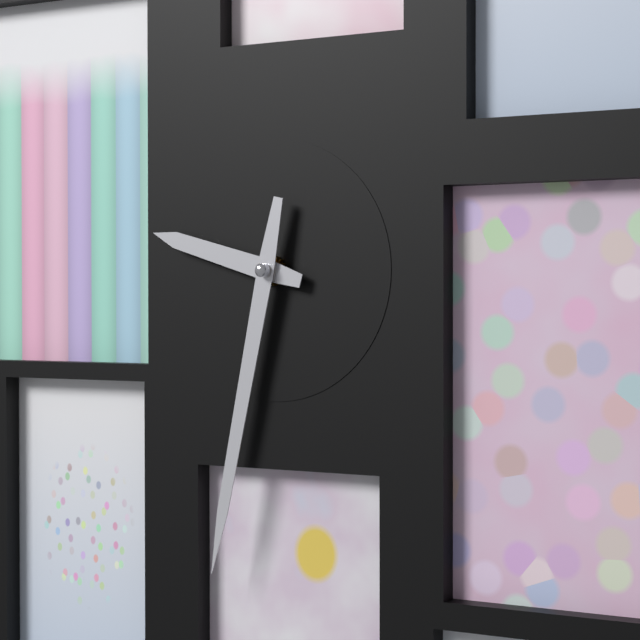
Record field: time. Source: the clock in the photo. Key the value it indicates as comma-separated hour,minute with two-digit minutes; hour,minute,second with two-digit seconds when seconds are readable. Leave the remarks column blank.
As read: 9,32
